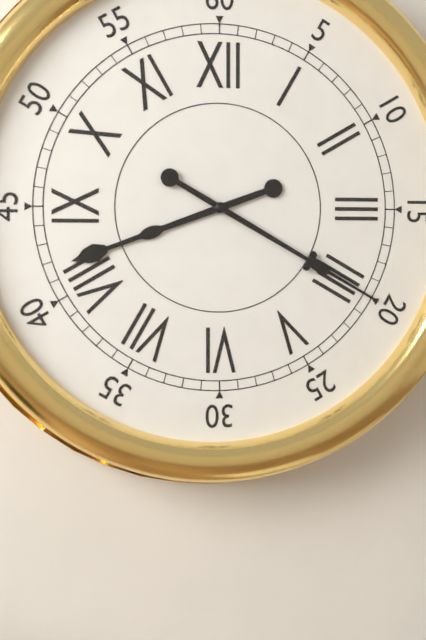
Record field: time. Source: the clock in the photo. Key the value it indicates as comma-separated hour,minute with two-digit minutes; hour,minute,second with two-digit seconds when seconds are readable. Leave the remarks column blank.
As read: 8,20
